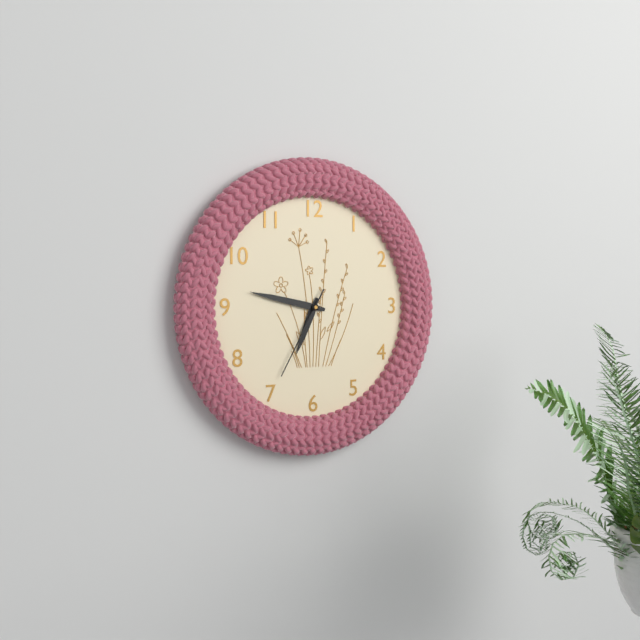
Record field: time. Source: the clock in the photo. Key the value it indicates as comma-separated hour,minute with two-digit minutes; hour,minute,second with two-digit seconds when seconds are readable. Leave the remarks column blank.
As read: 6,47,35
